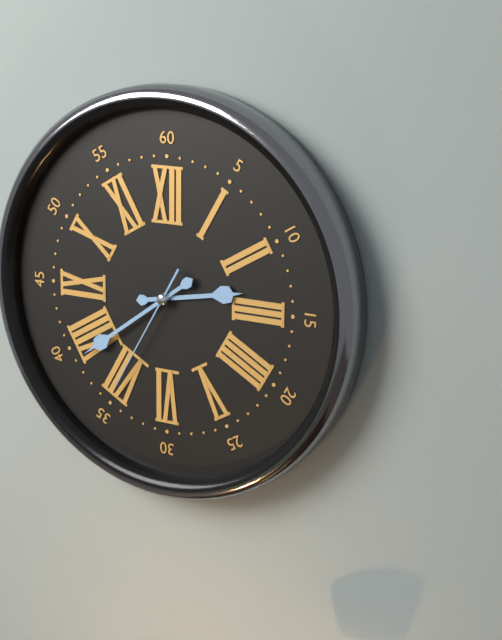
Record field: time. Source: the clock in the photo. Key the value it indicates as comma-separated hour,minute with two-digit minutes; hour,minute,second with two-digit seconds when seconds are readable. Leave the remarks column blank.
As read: 2,39,35
